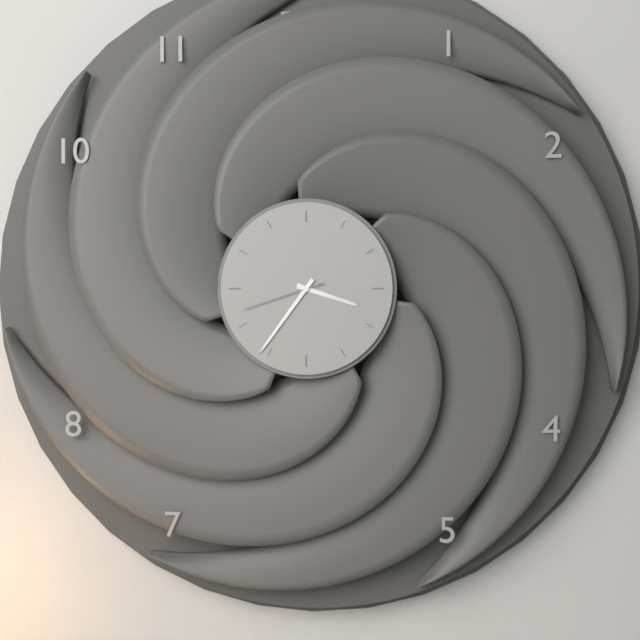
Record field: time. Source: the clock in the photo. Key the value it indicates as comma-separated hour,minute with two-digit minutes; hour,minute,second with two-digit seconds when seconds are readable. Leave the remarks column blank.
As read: 3,36,42
